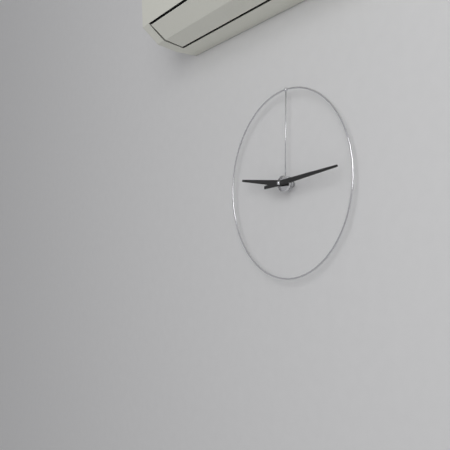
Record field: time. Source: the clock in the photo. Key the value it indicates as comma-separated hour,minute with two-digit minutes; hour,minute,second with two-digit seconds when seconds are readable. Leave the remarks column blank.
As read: 9,14
